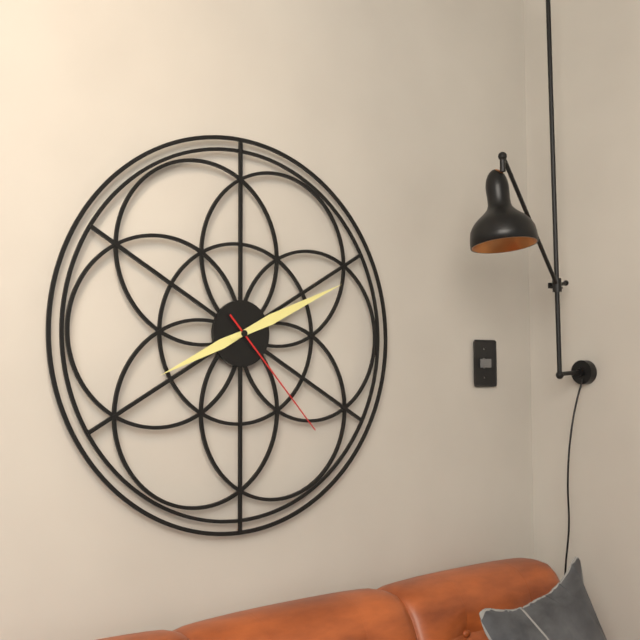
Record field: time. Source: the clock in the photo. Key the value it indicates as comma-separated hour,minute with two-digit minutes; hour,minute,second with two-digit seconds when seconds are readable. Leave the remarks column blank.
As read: 8,11,23
